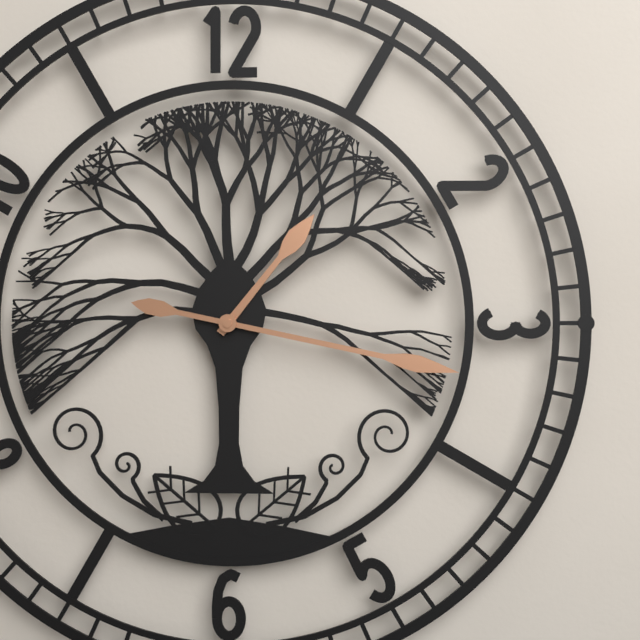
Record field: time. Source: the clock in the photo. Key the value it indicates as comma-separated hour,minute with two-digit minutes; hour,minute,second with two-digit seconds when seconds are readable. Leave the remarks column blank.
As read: 1,17
